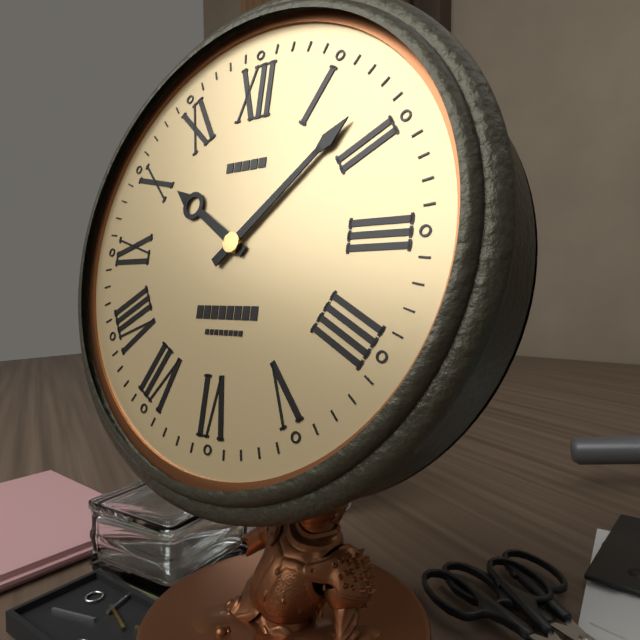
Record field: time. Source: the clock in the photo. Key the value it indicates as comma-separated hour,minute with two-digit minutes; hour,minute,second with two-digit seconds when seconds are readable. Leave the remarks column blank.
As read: 10,08
